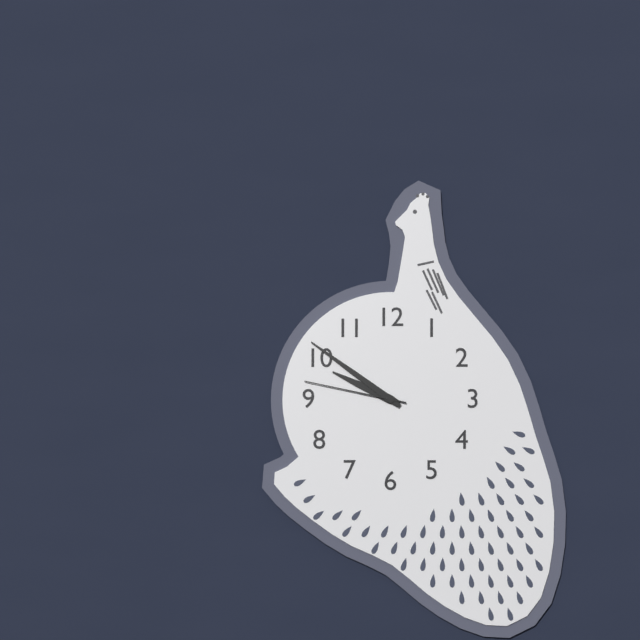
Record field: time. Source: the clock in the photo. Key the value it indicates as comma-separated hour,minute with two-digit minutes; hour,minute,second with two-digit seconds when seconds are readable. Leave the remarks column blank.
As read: 9,51,47
